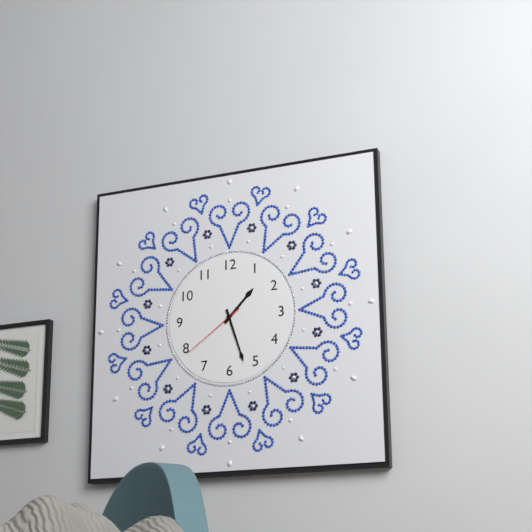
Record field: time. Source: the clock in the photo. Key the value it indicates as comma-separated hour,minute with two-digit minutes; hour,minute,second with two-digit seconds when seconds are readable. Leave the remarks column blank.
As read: 1,27,39
